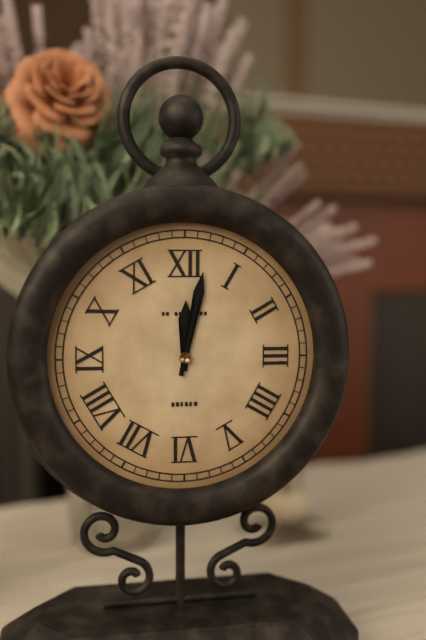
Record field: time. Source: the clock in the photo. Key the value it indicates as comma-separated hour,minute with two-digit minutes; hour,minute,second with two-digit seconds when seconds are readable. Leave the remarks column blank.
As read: 12,02
